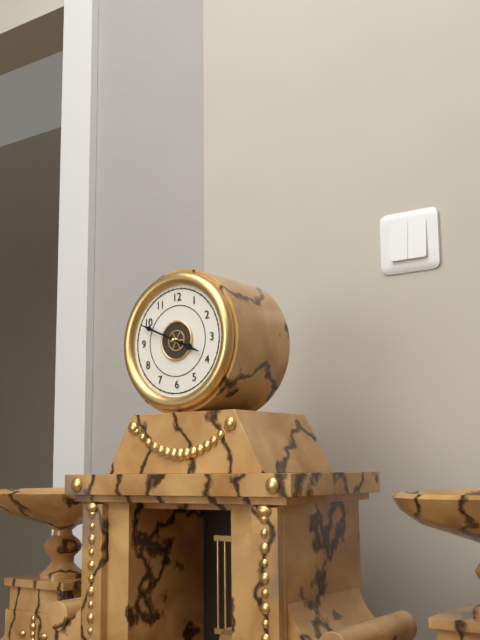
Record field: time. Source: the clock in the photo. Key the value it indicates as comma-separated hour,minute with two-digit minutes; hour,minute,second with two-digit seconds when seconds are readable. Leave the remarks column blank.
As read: 3,49
